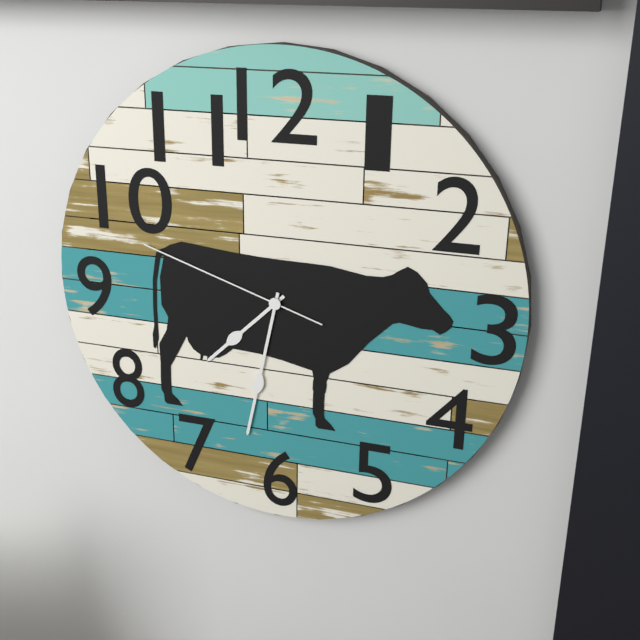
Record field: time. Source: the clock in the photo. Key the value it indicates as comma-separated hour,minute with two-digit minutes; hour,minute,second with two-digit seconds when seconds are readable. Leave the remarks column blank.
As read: 7,32,48
